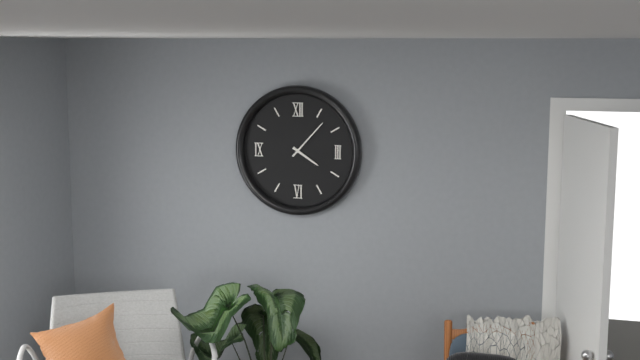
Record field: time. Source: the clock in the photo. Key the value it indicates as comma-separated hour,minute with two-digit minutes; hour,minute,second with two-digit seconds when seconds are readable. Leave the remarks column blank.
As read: 4,07
